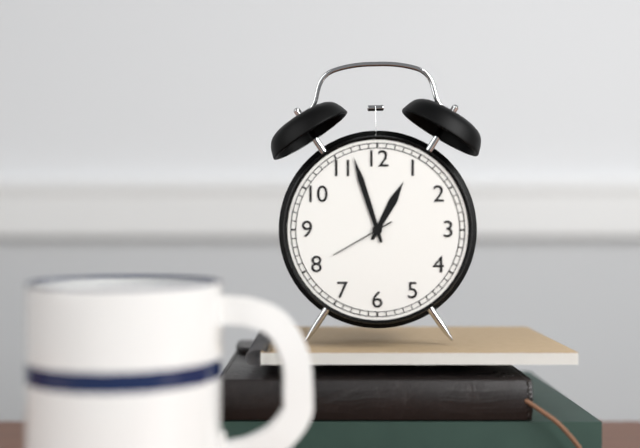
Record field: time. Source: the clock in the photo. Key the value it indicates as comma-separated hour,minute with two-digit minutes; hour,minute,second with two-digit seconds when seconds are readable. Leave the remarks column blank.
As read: 12,57,40
